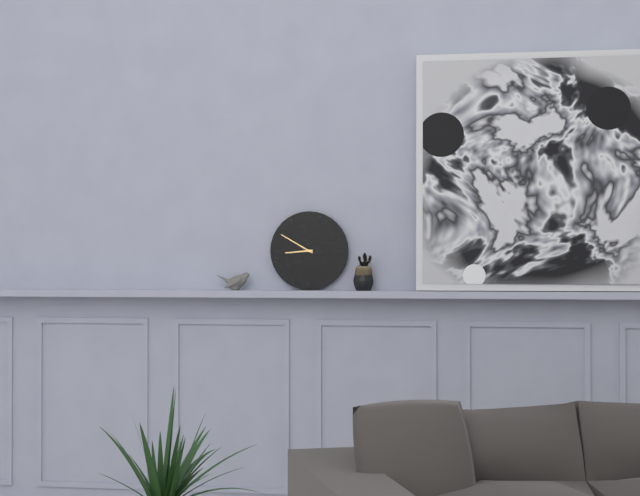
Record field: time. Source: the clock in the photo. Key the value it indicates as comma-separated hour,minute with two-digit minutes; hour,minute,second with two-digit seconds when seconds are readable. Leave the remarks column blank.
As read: 8,50
